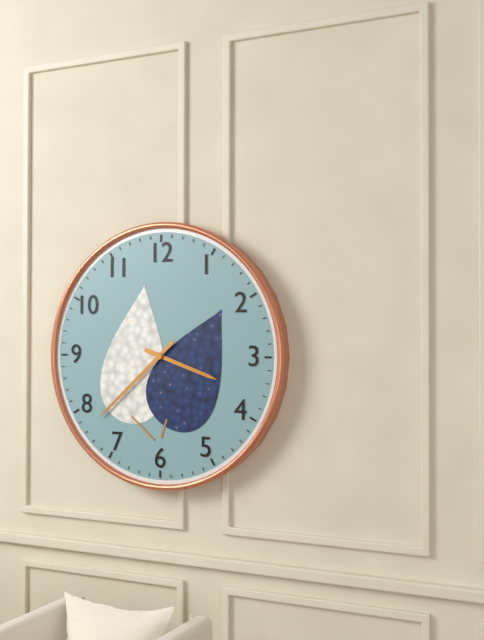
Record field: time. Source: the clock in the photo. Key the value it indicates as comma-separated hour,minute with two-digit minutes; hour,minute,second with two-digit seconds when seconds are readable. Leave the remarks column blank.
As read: 3,38
